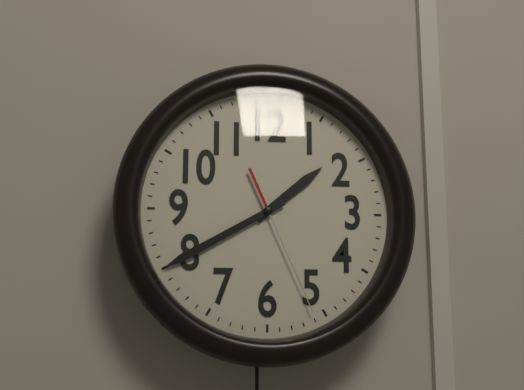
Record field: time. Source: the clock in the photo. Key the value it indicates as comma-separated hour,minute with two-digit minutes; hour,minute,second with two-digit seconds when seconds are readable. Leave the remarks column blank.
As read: 1,40,26
